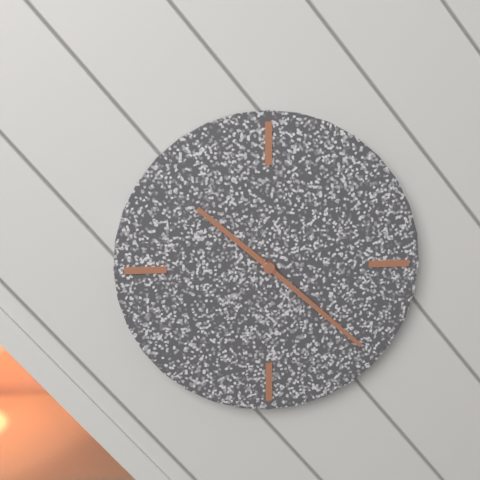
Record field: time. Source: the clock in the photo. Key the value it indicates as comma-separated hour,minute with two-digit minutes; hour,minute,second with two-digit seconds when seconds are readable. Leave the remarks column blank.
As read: 10,22
